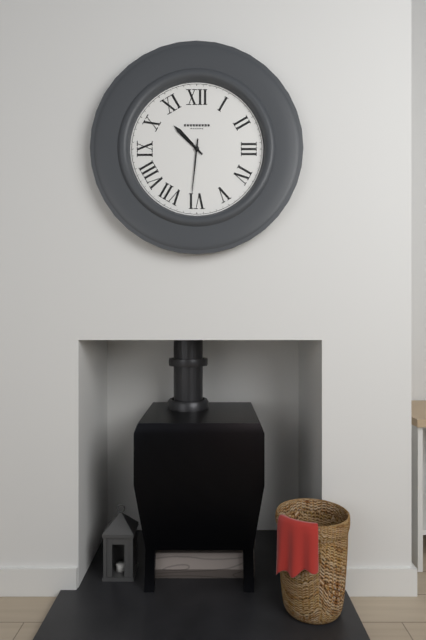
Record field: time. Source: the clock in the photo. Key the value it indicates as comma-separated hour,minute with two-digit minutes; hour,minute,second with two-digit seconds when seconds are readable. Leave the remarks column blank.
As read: 10,31
